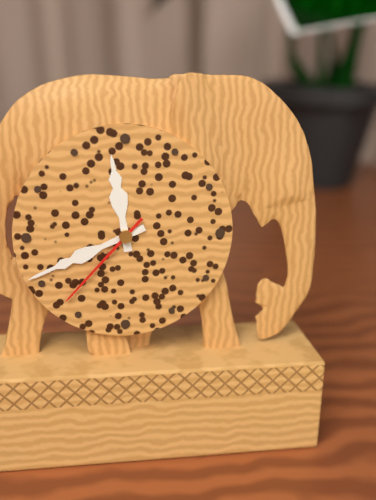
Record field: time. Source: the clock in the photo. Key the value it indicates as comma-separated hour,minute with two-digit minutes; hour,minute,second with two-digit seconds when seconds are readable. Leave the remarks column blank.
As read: 11,41,37
